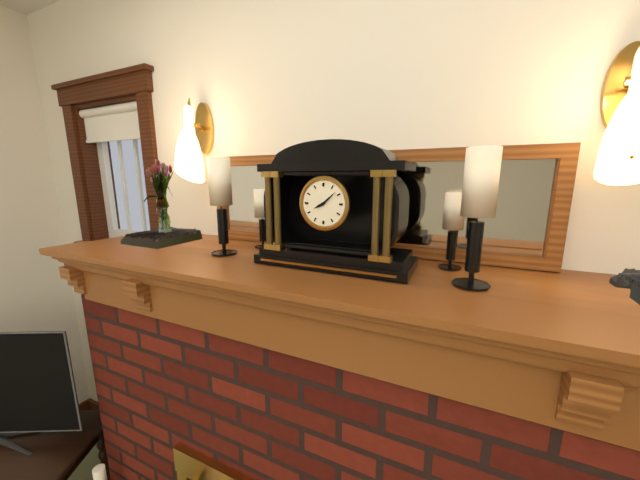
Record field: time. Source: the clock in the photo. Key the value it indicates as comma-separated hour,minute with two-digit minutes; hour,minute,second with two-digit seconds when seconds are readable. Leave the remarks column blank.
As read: 8,08
